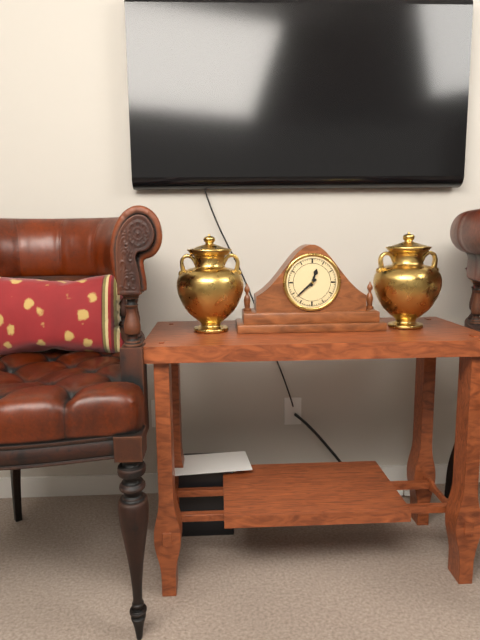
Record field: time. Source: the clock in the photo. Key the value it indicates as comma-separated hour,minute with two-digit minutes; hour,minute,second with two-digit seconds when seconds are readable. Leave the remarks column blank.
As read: 12,38
